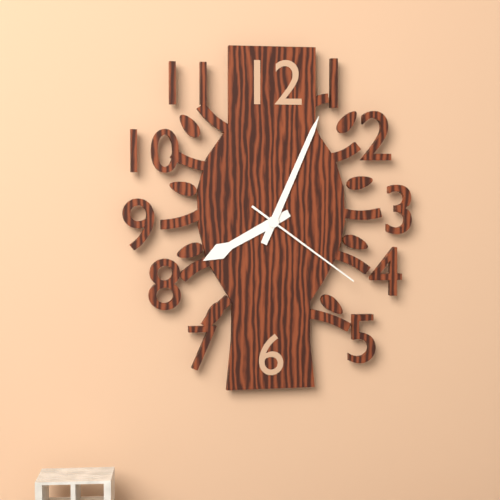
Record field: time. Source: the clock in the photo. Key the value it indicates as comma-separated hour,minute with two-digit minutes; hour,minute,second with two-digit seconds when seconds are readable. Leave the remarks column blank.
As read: 8,04,21
